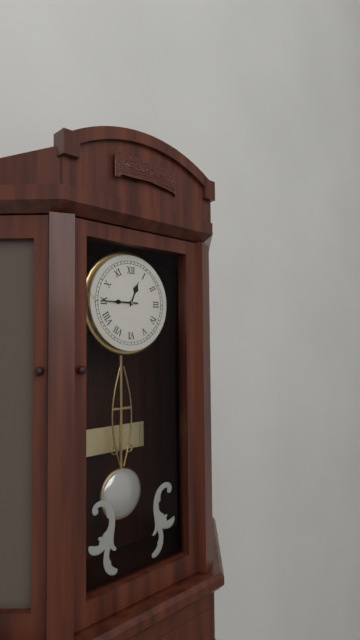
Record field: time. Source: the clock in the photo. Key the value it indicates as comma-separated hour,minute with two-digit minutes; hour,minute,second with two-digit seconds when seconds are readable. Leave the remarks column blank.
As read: 12,45
